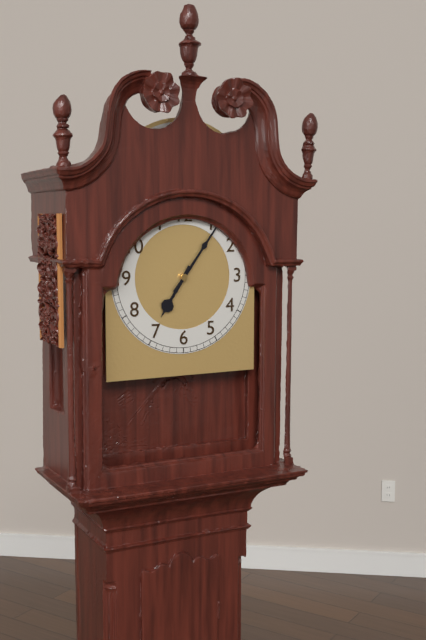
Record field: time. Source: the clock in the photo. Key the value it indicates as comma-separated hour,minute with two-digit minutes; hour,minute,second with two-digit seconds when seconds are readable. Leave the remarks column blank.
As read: 7,06
